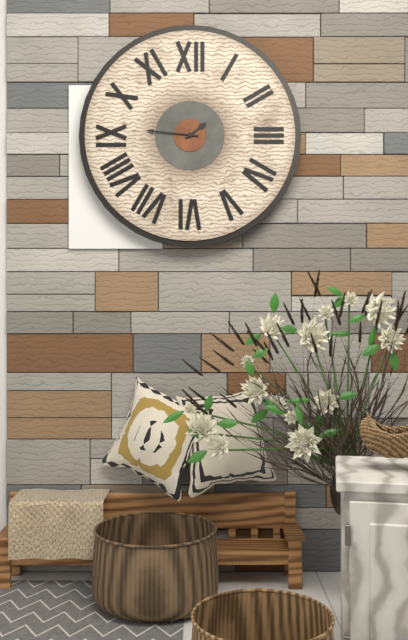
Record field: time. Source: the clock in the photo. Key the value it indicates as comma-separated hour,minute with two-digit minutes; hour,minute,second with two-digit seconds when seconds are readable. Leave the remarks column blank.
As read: 1,46
